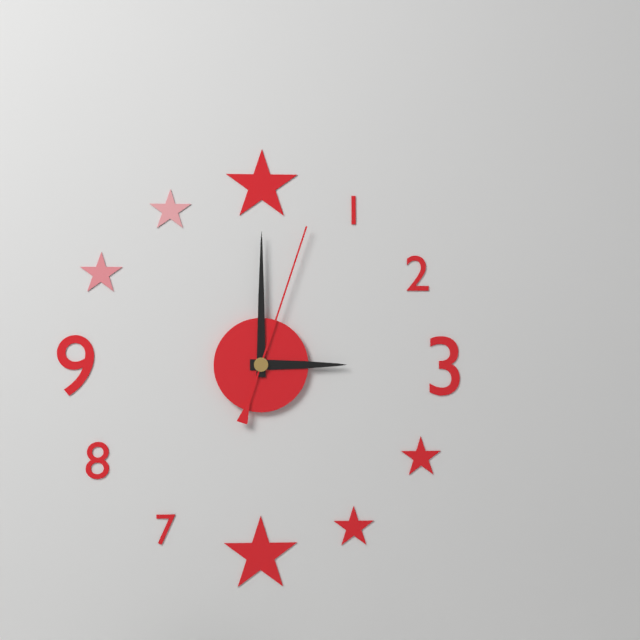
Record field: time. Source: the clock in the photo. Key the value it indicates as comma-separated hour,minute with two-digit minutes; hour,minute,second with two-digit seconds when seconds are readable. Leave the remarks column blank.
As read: 3,00,03
